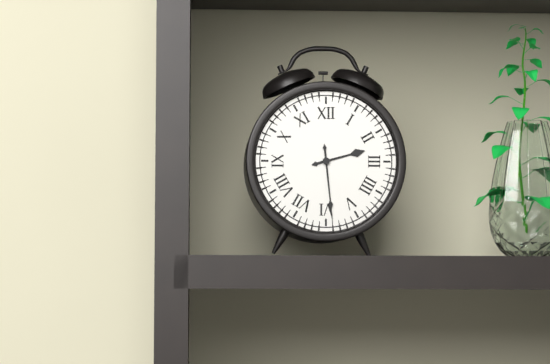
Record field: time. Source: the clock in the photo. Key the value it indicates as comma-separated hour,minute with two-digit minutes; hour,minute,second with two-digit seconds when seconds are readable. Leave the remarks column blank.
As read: 2,29
